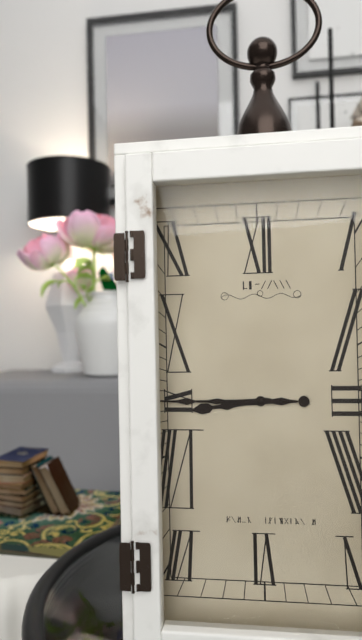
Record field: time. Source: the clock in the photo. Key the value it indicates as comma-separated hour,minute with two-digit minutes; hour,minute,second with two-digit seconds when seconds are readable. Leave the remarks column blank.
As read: 8,45
